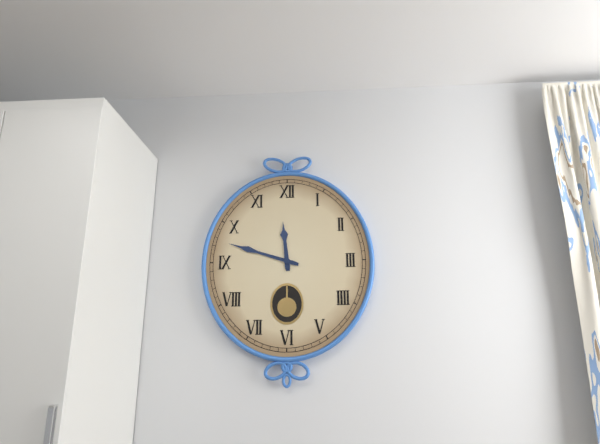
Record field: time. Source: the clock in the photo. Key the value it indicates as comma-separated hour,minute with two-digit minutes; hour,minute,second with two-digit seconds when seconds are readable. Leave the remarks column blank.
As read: 11,48
